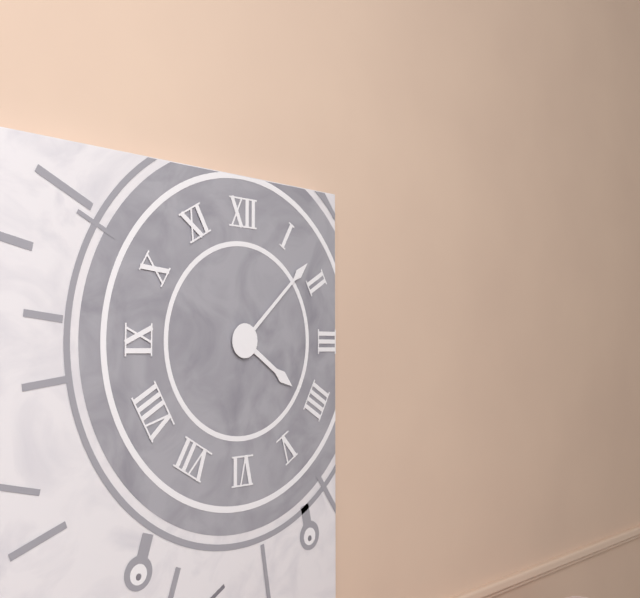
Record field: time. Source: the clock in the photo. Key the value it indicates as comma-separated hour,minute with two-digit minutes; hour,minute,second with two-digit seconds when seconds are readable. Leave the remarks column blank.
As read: 4,08
